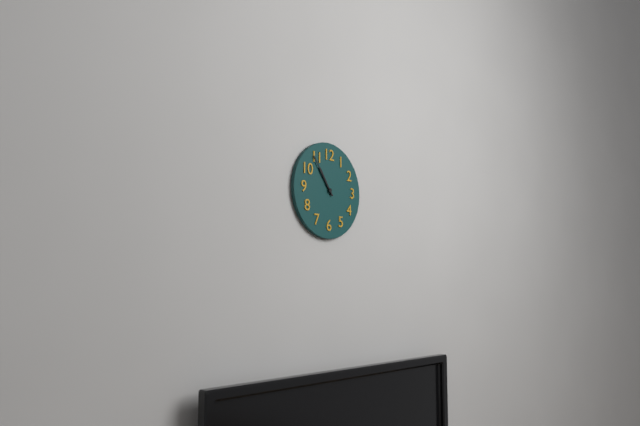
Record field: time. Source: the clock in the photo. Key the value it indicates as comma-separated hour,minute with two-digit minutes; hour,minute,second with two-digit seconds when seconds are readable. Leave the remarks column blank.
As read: 10,54
